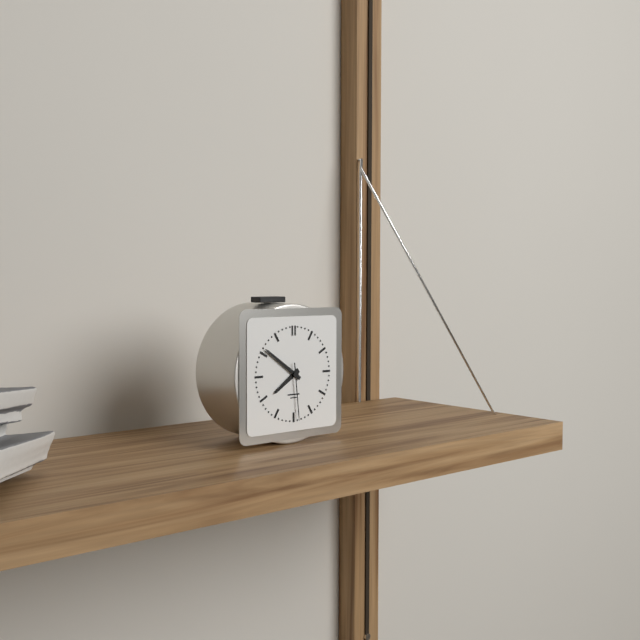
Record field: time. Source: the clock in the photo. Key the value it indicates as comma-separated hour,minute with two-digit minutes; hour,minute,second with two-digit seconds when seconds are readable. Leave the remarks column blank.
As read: 7,51,29
